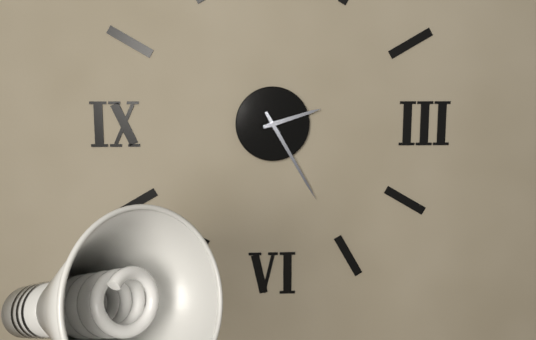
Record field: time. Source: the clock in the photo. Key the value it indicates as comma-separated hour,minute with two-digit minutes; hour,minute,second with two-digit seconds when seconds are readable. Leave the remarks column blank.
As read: 2,25
